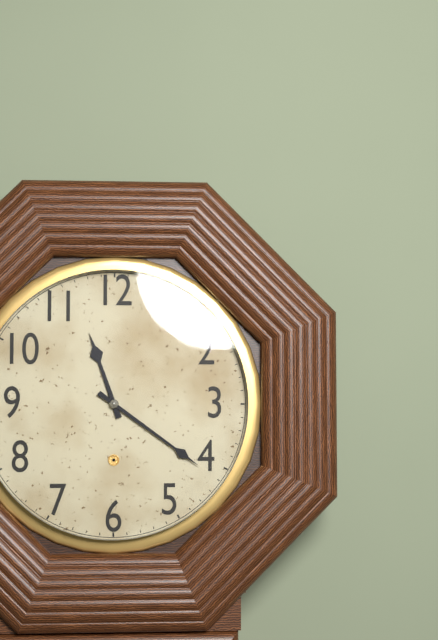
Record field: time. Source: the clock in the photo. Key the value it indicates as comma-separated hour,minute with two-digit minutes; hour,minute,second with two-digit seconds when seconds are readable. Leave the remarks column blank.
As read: 11,21
